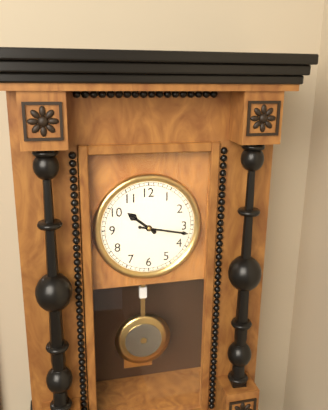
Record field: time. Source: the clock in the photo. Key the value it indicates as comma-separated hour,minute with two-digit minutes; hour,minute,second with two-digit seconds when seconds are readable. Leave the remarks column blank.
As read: 10,17
